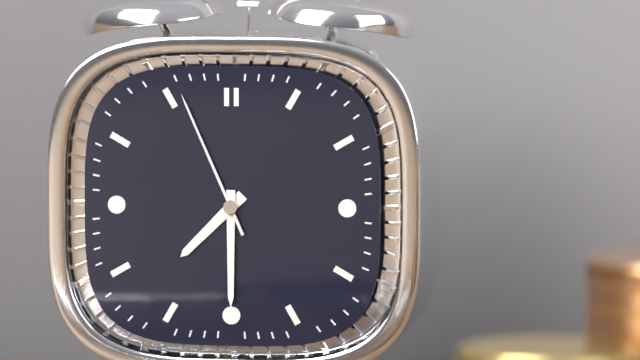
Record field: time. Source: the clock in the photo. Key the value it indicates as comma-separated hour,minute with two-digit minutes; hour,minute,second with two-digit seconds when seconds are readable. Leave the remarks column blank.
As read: 7,30,56
